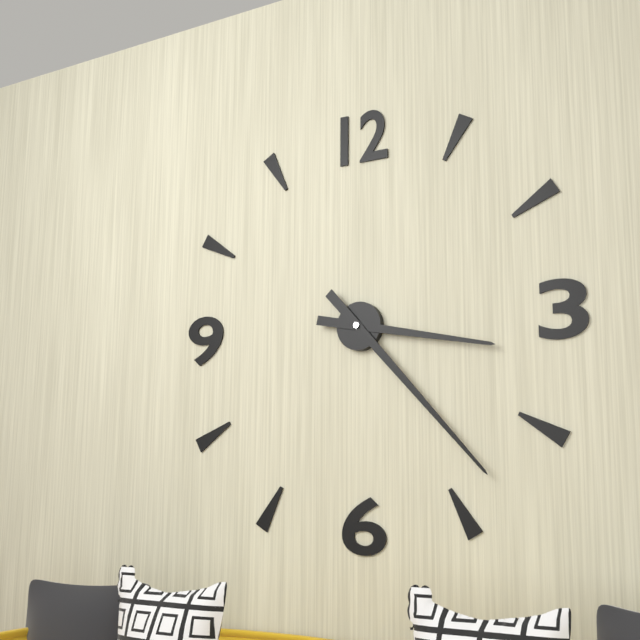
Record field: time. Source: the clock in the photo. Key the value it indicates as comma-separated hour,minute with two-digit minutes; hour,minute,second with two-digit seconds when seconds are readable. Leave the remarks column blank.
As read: 3,23
